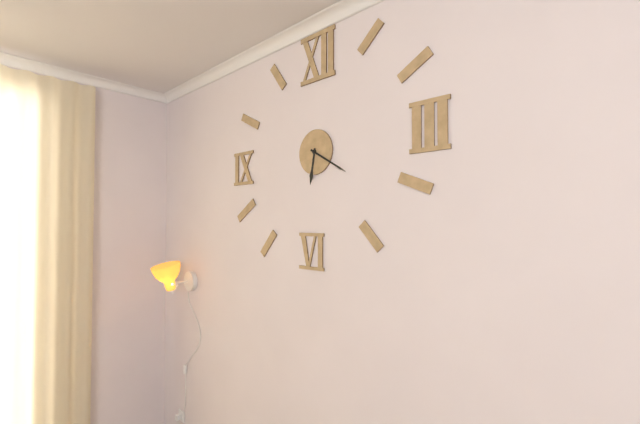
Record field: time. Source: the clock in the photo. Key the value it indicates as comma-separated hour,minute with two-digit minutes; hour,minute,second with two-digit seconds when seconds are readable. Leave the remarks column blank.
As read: 6,20
